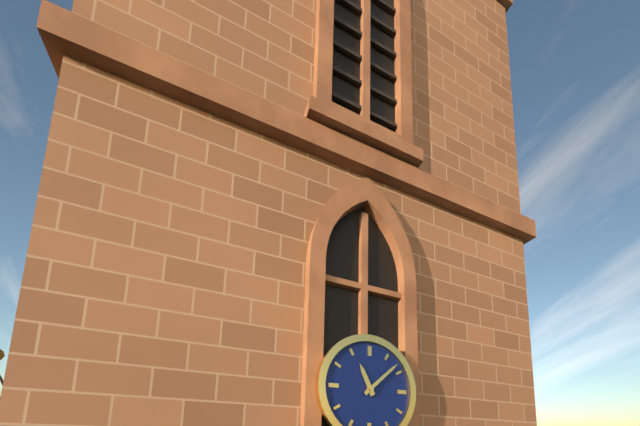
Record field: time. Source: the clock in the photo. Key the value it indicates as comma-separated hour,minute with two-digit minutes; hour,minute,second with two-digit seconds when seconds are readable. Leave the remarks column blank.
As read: 11,08
